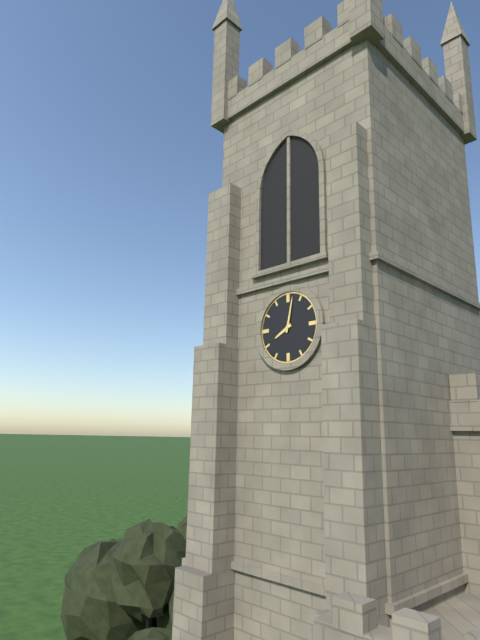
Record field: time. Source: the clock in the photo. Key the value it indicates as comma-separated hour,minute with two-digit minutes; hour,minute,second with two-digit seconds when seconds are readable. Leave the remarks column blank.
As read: 8,02
